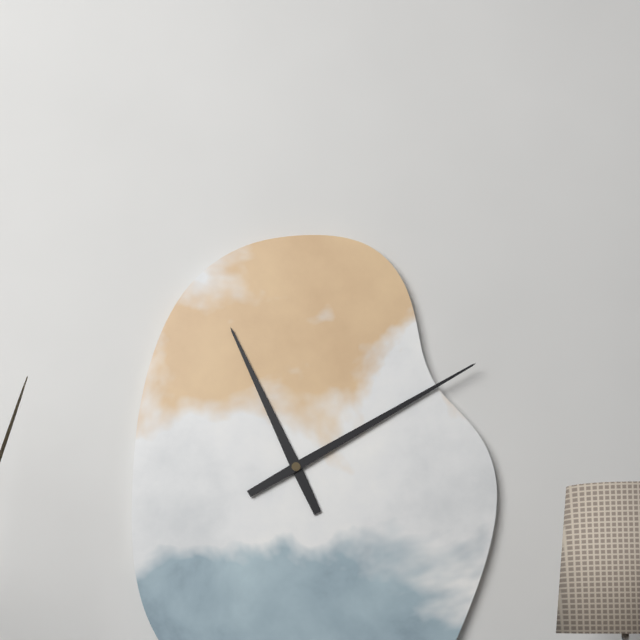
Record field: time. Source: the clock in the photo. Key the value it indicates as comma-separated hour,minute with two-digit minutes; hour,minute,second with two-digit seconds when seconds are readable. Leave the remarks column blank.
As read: 11,10
